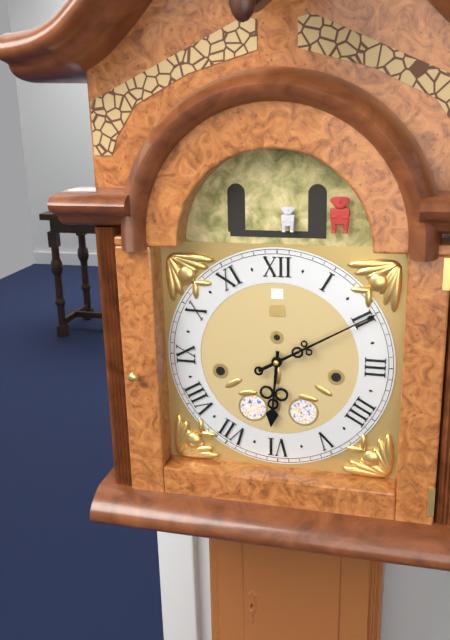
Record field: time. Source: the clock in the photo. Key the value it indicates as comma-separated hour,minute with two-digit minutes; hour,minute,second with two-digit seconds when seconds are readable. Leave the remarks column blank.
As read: 6,10
